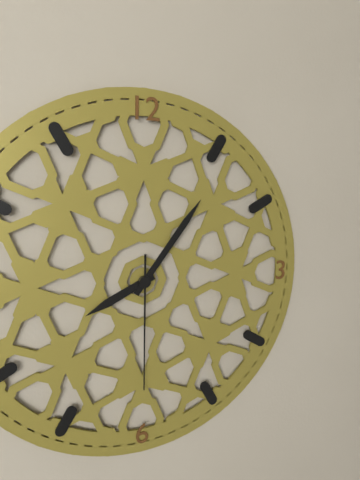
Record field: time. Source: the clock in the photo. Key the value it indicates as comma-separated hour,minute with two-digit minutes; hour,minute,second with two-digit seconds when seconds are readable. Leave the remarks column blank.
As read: 8,06,30
